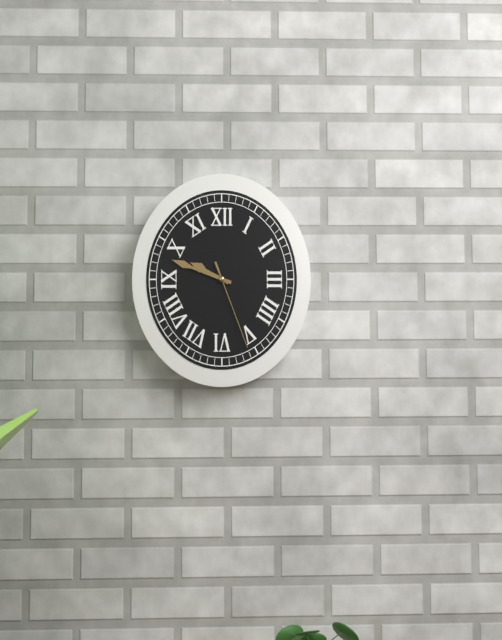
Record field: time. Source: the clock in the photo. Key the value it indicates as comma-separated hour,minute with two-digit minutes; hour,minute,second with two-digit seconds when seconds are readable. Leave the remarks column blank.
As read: 9,48,26
